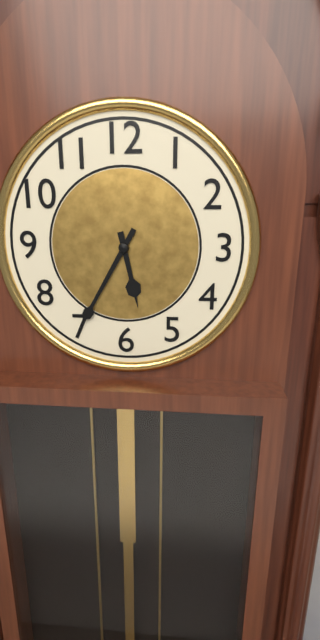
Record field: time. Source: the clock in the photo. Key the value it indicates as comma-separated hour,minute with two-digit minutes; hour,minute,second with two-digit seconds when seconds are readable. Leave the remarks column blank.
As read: 5,35
